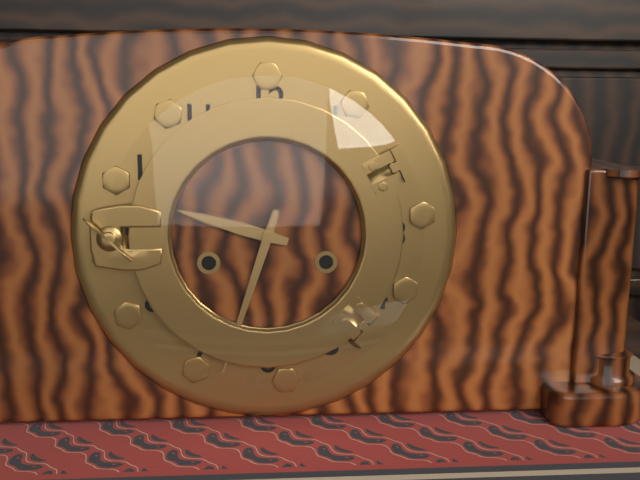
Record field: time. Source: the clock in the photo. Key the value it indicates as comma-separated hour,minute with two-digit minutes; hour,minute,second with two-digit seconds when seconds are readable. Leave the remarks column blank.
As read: 9,33
